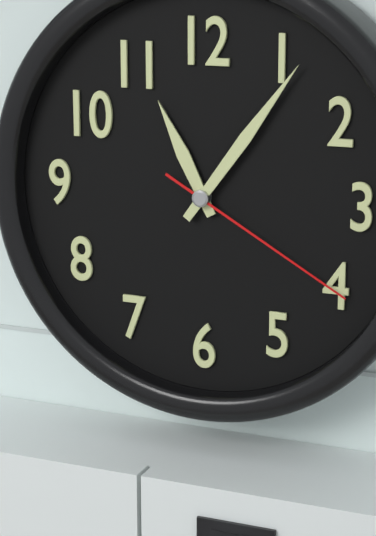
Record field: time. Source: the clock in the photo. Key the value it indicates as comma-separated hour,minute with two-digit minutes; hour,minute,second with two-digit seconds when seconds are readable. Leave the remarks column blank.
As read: 11,06,20
